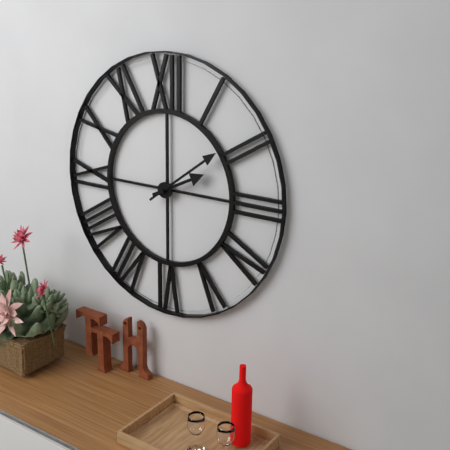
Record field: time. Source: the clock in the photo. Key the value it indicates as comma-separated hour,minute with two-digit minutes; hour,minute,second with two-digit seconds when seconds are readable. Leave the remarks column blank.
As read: 2,09
